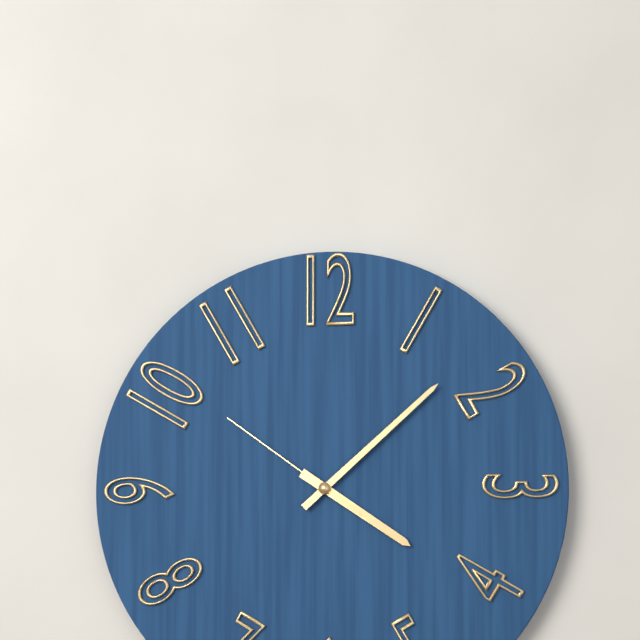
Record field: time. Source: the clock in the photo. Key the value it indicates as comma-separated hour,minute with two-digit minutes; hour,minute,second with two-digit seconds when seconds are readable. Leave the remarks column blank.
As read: 4,08,51
